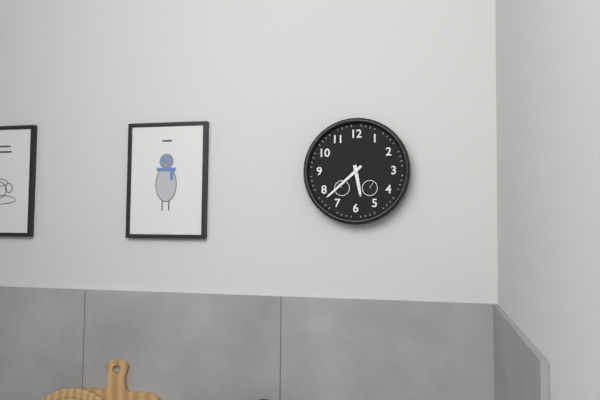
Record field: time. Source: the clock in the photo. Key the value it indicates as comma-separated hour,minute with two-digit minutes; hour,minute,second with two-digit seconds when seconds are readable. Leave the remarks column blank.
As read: 5,38
